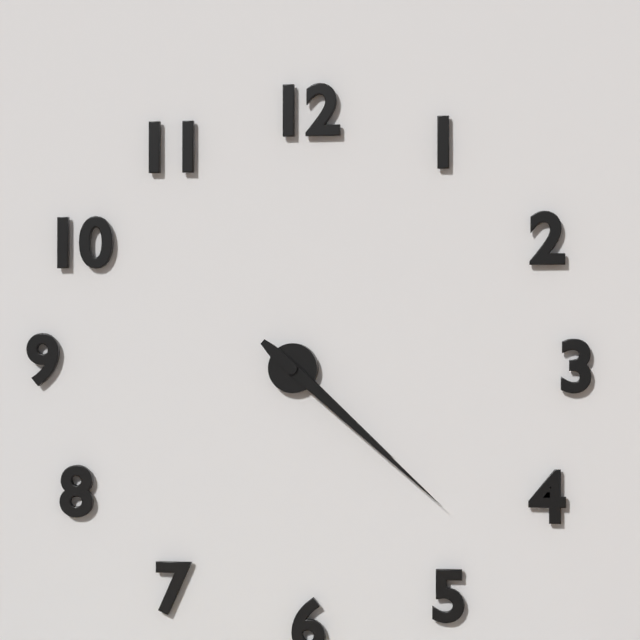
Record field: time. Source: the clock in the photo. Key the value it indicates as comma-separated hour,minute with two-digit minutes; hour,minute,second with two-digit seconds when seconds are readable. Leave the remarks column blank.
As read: 4,22
